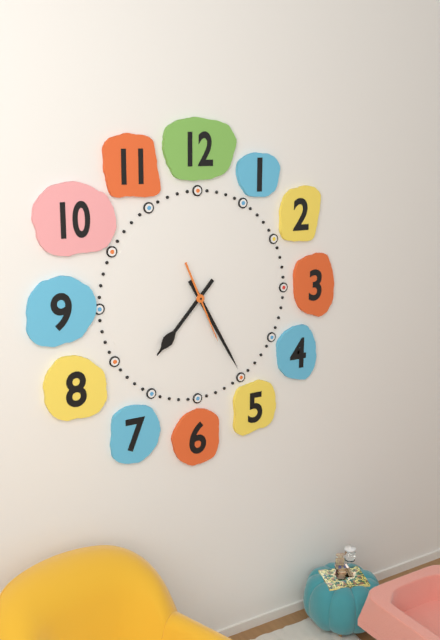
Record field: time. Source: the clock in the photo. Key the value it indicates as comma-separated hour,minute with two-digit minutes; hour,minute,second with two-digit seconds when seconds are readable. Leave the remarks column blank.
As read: 7,25,26
